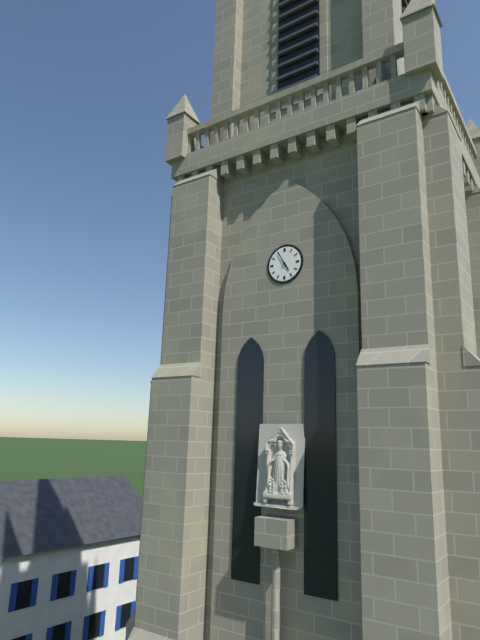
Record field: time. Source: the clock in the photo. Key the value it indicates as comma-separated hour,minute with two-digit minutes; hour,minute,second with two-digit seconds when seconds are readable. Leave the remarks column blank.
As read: 4,55
